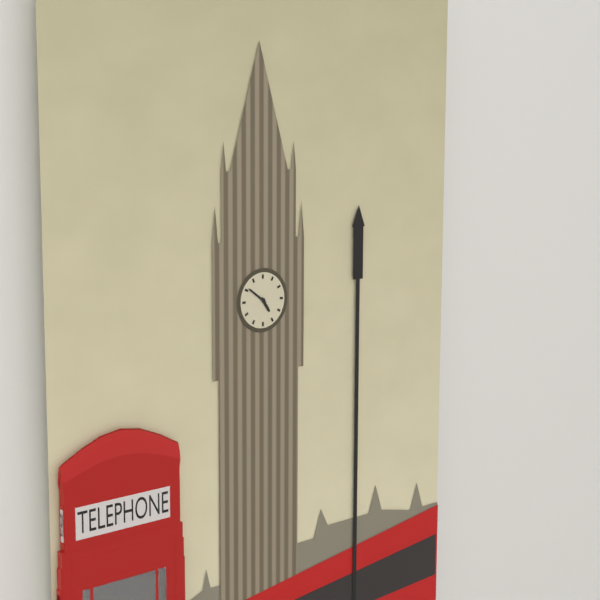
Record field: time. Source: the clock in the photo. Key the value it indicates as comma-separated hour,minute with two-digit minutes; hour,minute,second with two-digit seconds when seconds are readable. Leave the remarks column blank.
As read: 4,51
